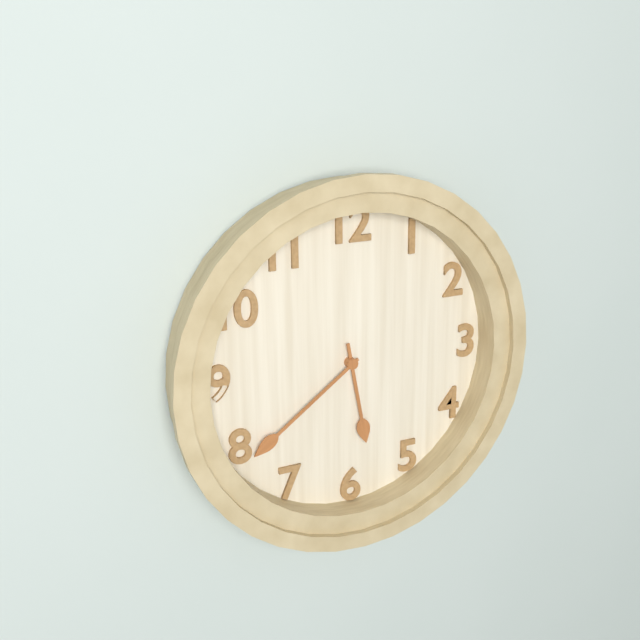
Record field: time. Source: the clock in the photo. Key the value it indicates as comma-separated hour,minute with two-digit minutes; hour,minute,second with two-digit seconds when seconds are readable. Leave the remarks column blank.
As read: 5,39
